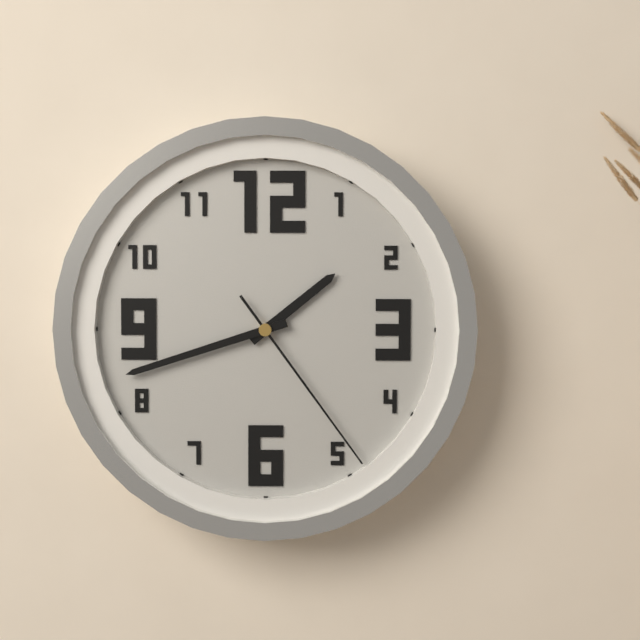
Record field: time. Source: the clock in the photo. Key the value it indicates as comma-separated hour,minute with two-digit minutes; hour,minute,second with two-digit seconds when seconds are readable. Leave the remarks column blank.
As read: 1,42,24
